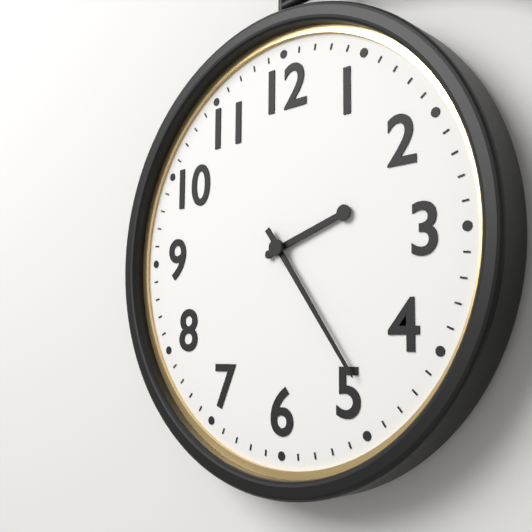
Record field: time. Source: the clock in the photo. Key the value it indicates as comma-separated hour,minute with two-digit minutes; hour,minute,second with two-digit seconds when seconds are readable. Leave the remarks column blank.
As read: 2,24
